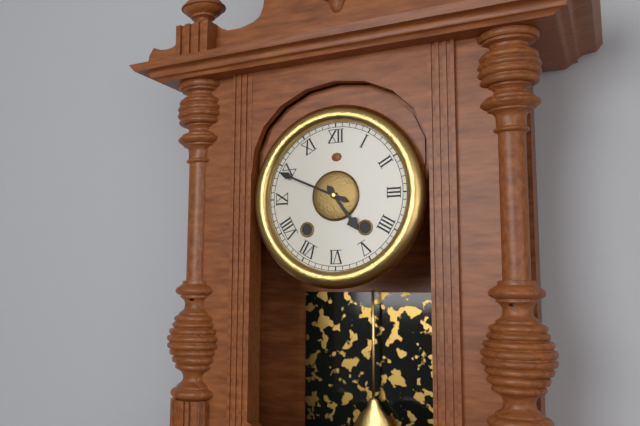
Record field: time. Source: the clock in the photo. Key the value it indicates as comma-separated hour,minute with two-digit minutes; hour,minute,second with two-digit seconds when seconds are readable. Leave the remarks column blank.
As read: 4,49
